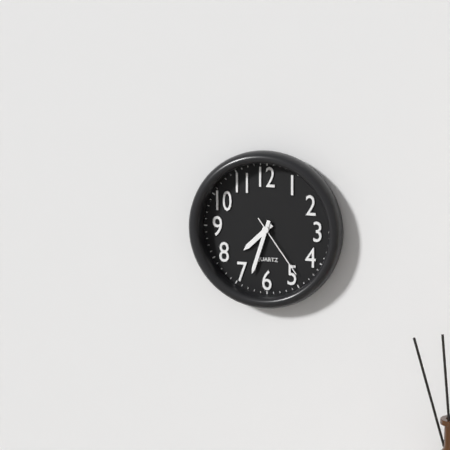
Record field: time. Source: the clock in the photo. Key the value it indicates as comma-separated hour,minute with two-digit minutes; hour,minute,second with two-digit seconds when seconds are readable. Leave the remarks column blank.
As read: 7,33,24
